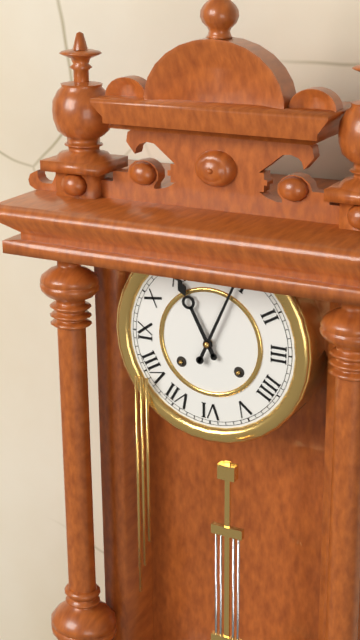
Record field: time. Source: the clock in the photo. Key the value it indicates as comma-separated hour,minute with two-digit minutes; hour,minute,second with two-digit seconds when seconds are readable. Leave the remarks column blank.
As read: 11,04
